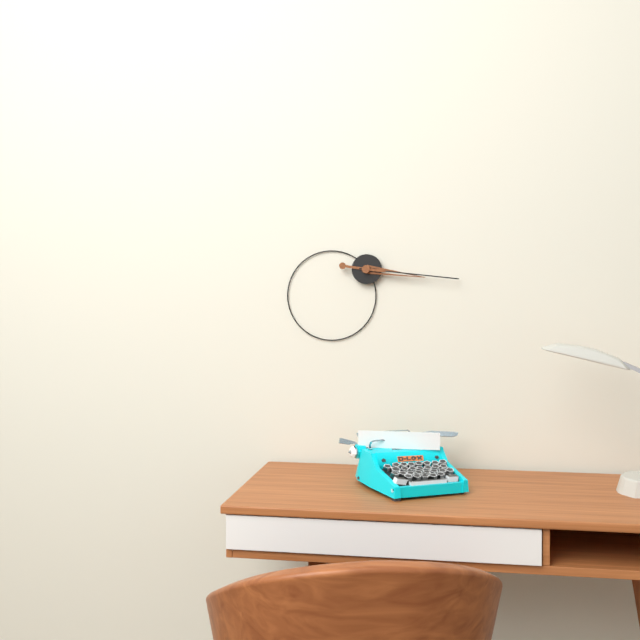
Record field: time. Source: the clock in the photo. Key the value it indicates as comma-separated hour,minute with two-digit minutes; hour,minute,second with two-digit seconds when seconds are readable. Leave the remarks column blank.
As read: 3,16
